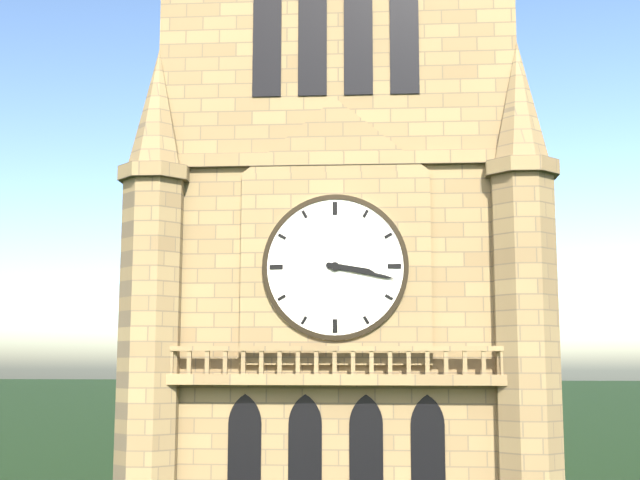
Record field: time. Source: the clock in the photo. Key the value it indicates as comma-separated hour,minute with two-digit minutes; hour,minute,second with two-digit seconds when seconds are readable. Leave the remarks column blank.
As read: 3,17
